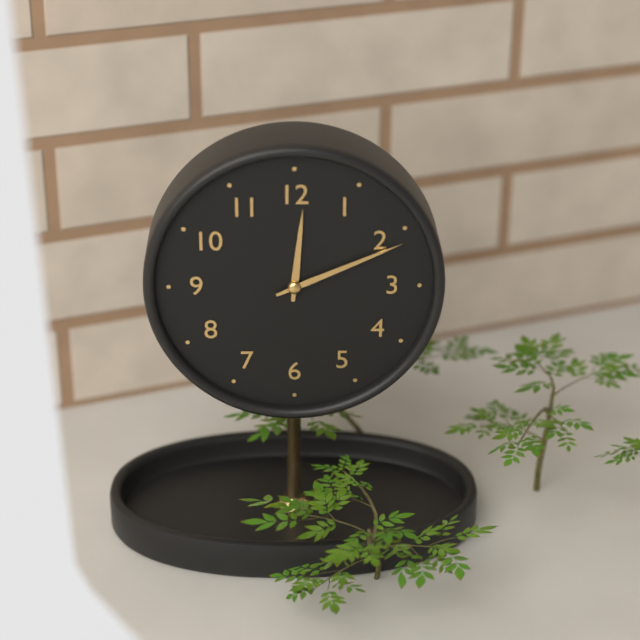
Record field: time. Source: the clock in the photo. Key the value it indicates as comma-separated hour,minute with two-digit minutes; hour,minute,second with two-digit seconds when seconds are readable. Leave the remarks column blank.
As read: 12,11
